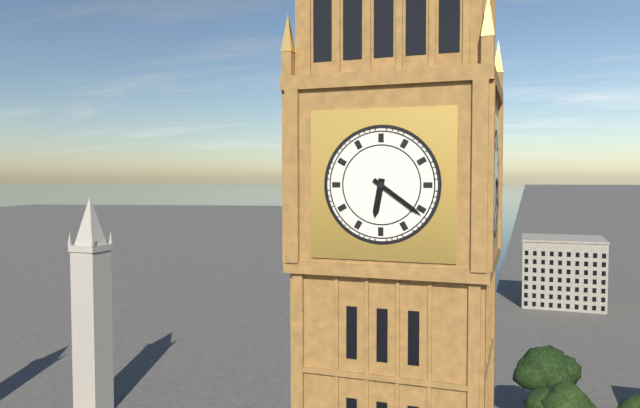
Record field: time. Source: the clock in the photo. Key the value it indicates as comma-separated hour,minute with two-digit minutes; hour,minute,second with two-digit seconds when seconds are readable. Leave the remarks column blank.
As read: 6,21
